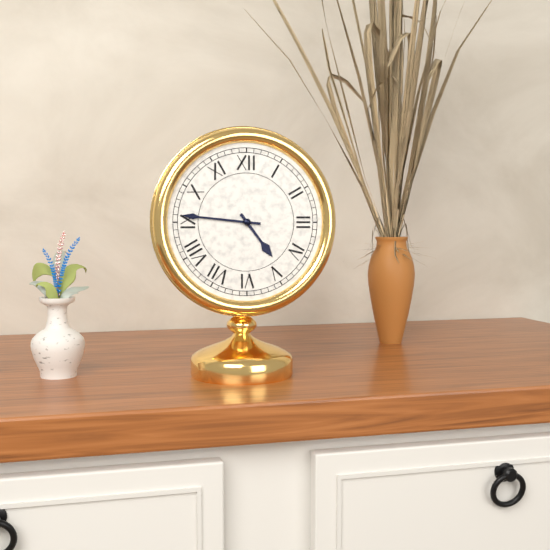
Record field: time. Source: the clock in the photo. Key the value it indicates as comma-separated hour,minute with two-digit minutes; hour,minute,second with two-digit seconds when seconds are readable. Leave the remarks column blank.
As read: 4,46
